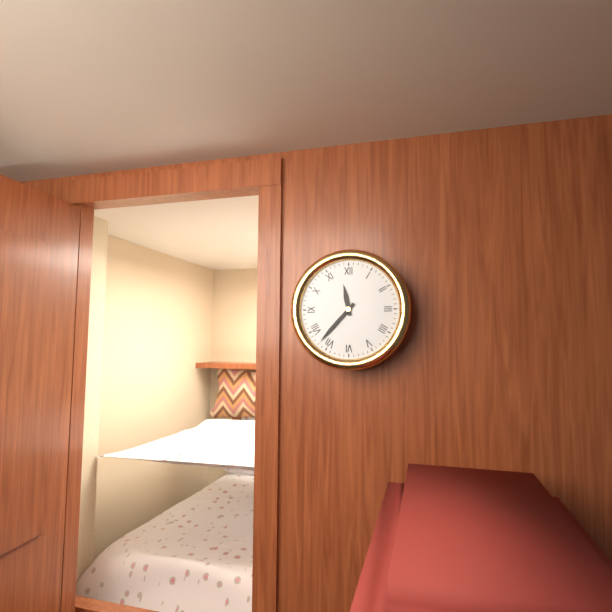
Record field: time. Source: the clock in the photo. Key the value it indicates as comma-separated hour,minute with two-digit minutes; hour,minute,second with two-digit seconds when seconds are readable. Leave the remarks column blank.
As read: 11,37
